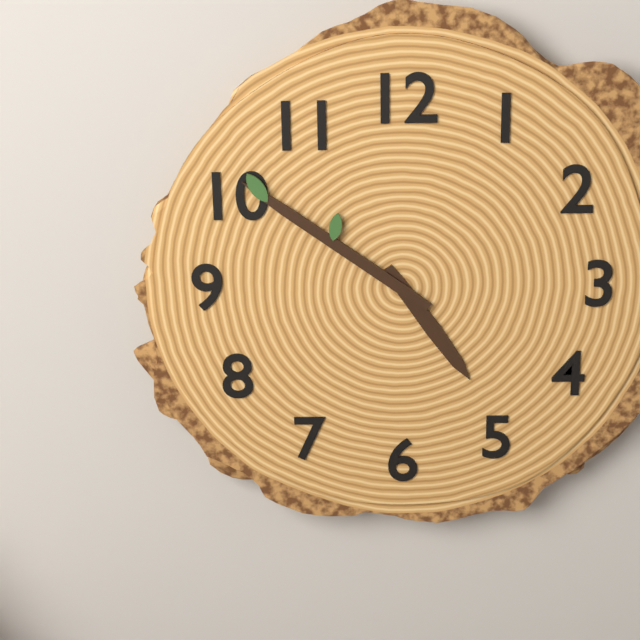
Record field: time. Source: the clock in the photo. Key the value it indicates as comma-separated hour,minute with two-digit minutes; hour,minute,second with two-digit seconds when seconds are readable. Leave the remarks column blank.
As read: 4,51
